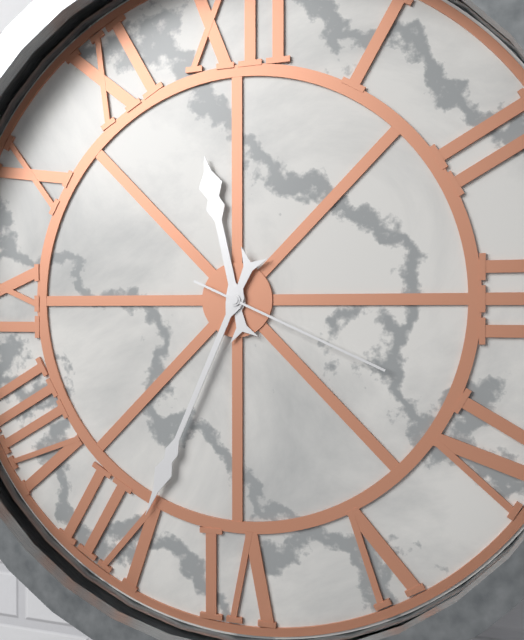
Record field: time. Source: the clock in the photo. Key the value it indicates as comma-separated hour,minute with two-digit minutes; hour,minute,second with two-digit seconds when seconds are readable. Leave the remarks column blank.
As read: 11,34,19
